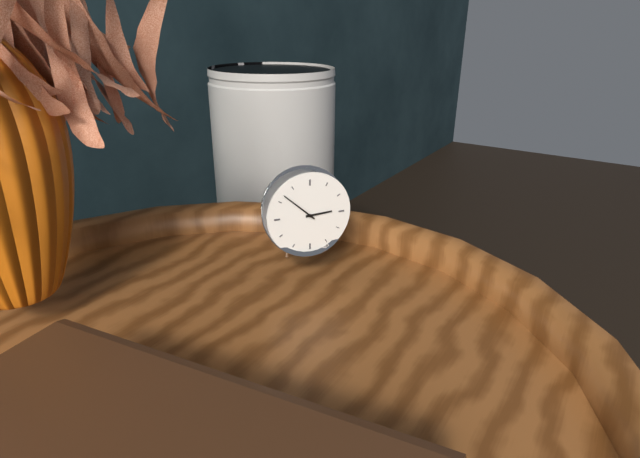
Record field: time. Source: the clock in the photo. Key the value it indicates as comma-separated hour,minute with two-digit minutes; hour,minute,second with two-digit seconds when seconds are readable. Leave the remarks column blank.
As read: 2,52
